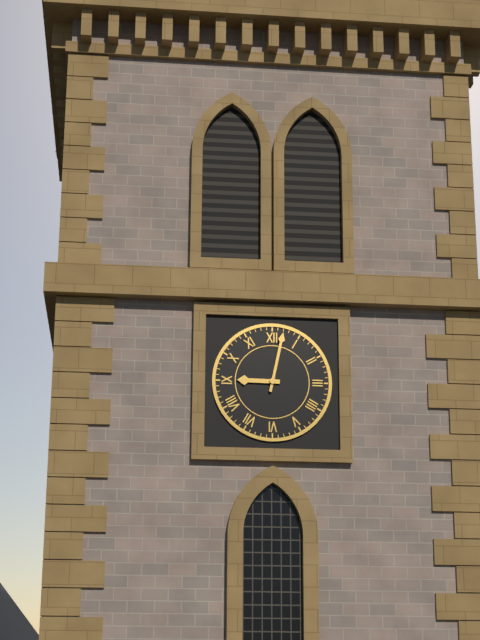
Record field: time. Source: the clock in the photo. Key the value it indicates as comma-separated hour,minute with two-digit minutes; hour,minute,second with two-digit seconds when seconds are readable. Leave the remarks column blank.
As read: 9,02
